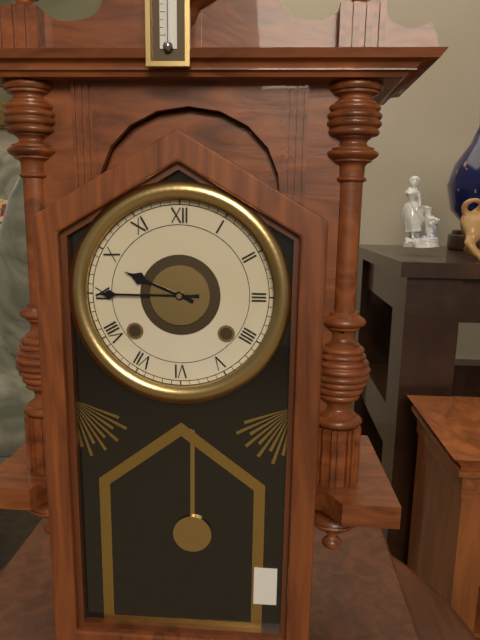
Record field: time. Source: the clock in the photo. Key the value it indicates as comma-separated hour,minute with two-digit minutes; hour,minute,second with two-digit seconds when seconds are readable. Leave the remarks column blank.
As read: 9,45
